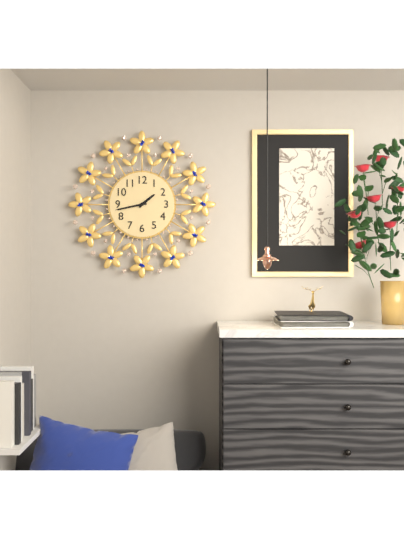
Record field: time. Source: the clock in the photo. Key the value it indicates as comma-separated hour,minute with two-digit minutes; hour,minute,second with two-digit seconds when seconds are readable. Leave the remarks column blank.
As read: 1,43
